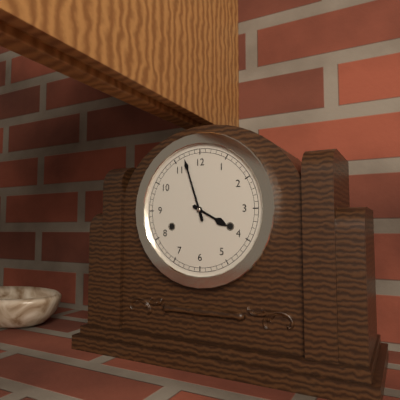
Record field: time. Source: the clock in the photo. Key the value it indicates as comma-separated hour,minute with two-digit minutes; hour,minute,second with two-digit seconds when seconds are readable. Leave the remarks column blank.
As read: 3,57
